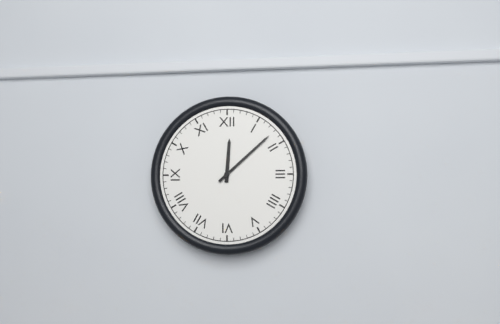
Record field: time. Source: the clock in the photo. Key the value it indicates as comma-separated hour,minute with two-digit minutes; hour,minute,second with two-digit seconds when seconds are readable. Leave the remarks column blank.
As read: 12,08
